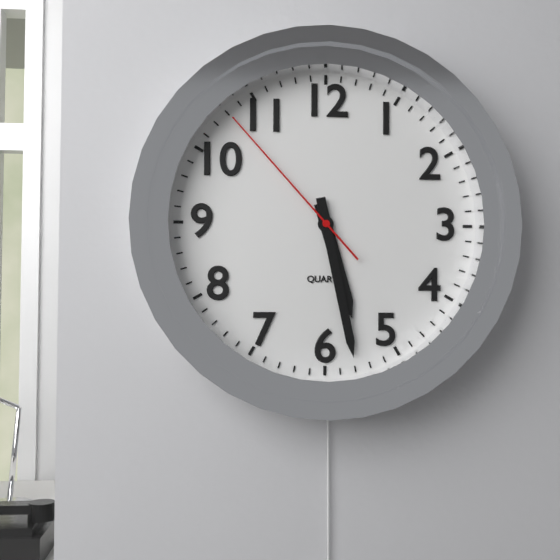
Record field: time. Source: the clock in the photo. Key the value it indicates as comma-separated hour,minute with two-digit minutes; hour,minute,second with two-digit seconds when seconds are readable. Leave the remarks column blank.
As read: 5,28,53
